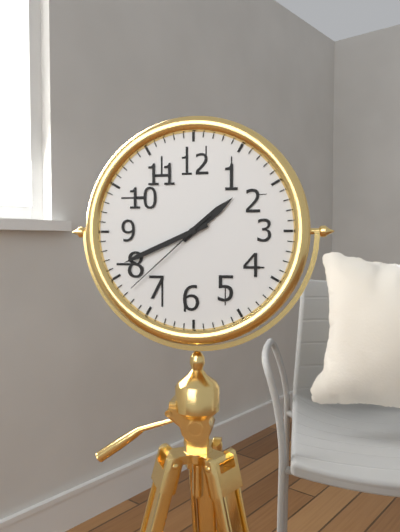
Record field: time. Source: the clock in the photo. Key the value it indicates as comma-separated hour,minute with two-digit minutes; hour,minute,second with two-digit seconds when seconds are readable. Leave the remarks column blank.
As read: 1,41,38
